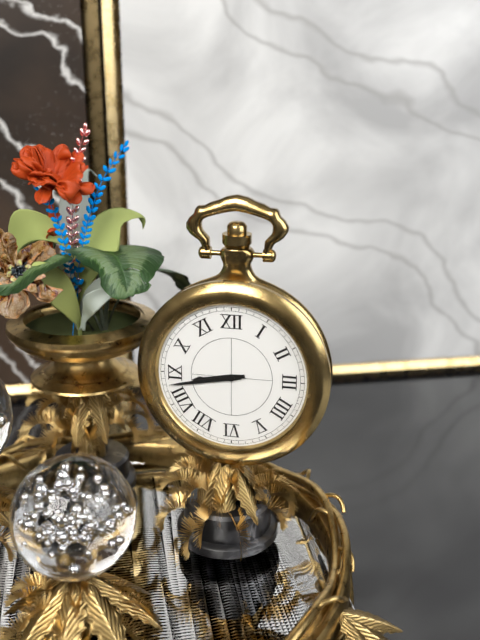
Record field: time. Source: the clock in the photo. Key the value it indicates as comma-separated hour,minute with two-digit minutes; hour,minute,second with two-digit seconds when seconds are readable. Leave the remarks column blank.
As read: 8,43
